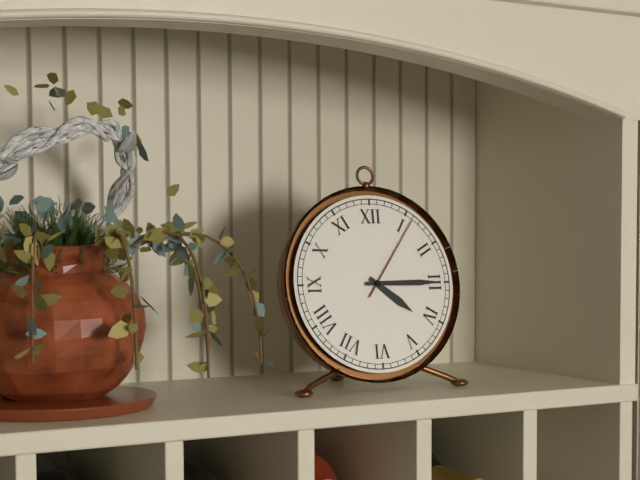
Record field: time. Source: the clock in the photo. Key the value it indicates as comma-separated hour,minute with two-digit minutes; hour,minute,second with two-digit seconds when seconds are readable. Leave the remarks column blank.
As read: 4,15,06
